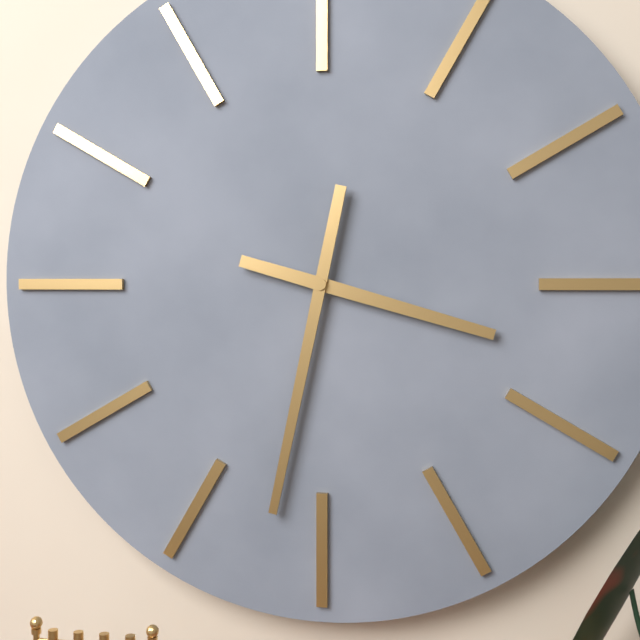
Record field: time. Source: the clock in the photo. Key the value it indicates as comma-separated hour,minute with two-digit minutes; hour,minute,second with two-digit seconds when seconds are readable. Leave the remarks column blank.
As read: 3,32
